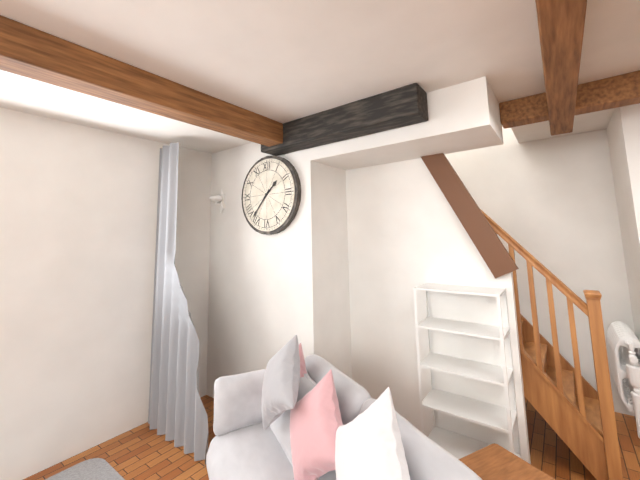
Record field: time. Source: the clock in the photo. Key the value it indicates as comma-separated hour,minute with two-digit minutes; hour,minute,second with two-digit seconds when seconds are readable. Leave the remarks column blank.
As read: 1,37
